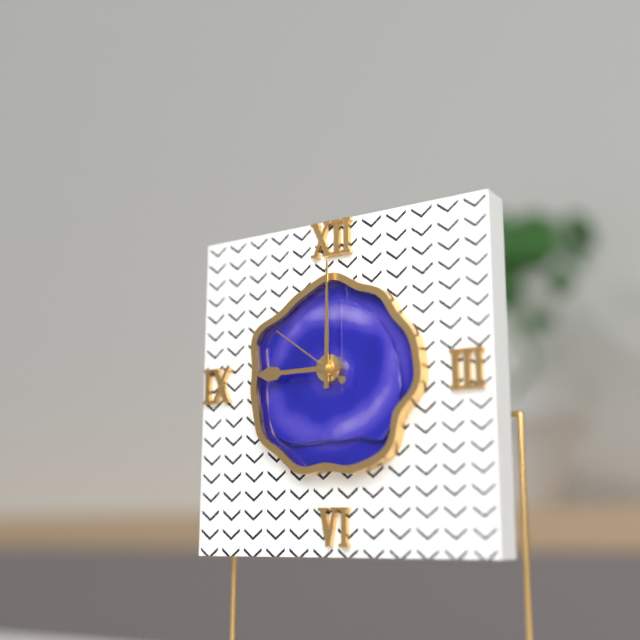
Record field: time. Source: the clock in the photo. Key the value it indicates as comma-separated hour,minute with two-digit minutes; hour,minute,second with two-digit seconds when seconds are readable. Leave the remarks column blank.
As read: 9,00,51
